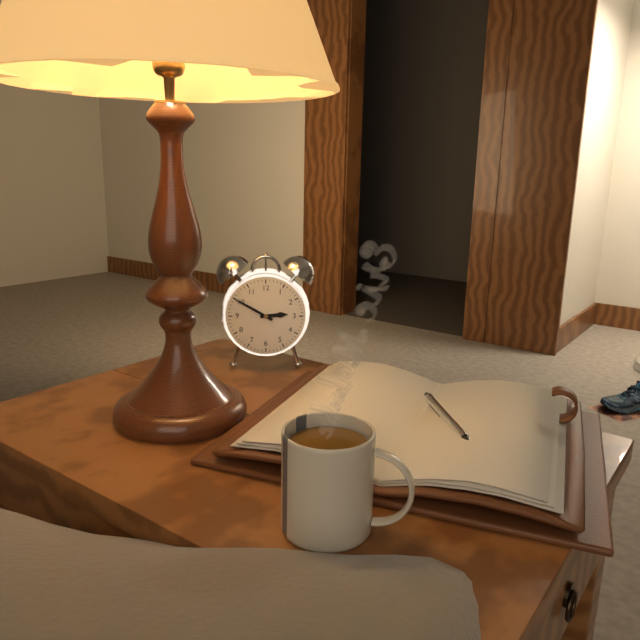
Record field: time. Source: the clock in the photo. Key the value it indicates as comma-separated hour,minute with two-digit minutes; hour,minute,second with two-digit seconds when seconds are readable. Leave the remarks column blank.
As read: 2,50
